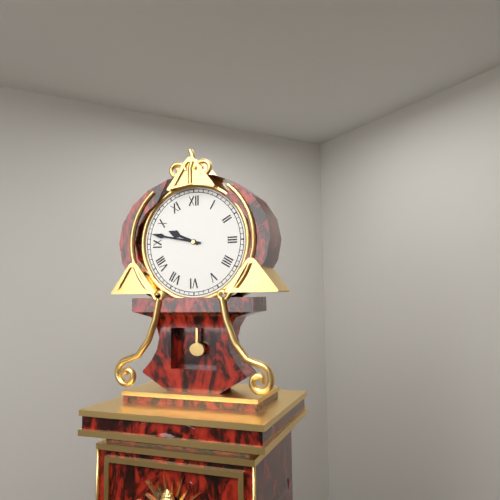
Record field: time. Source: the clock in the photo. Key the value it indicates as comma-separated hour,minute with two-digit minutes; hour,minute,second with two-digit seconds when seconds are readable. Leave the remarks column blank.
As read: 9,47
